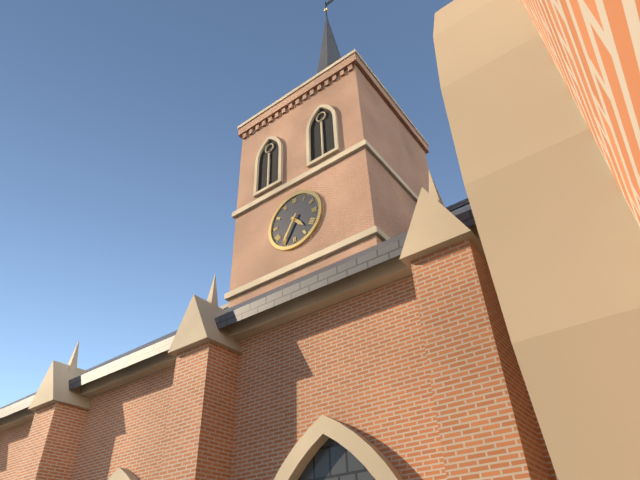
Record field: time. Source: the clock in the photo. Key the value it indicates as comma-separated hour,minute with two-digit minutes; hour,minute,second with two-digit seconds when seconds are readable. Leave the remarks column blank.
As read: 4,35
